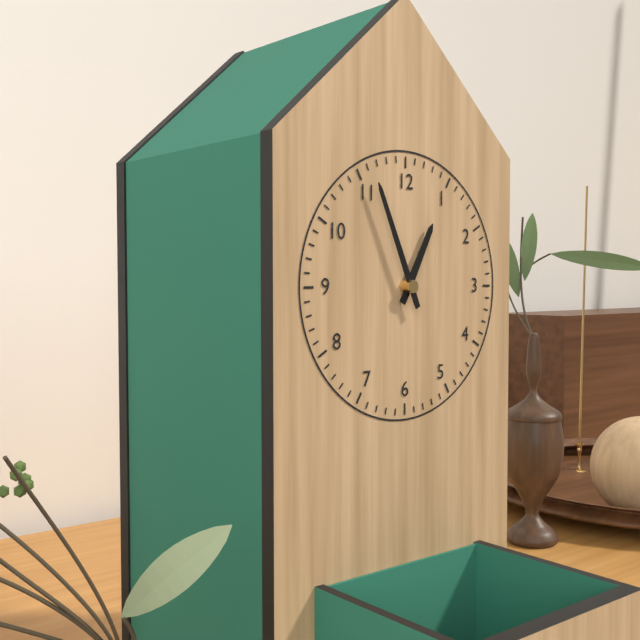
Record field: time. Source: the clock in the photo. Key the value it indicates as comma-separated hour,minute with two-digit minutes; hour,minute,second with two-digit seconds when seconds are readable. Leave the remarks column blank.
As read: 12,56
